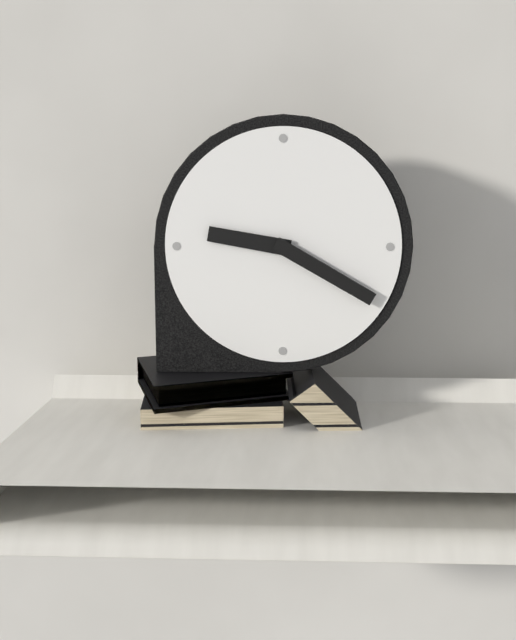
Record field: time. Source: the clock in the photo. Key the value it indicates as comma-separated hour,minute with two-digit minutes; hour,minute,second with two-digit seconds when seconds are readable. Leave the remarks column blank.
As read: 9,20
